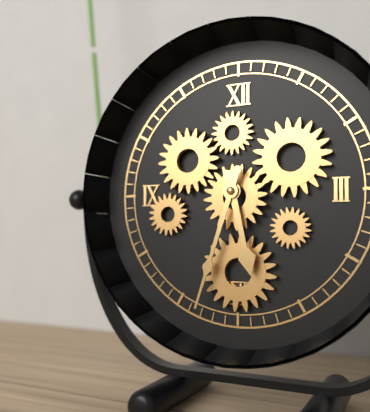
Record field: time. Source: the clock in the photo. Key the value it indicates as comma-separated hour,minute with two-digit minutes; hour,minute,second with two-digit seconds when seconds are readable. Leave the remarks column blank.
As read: 5,33
